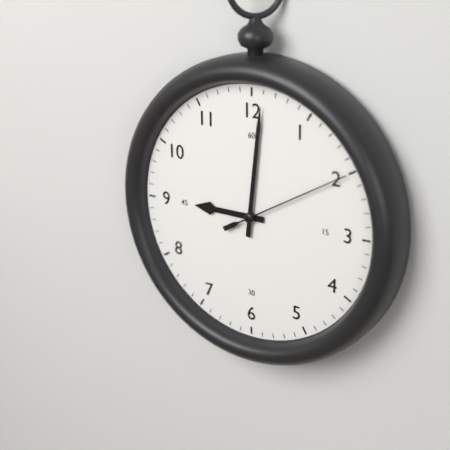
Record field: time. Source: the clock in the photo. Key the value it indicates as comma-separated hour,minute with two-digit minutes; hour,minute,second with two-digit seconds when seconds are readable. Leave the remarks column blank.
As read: 9,01,10
